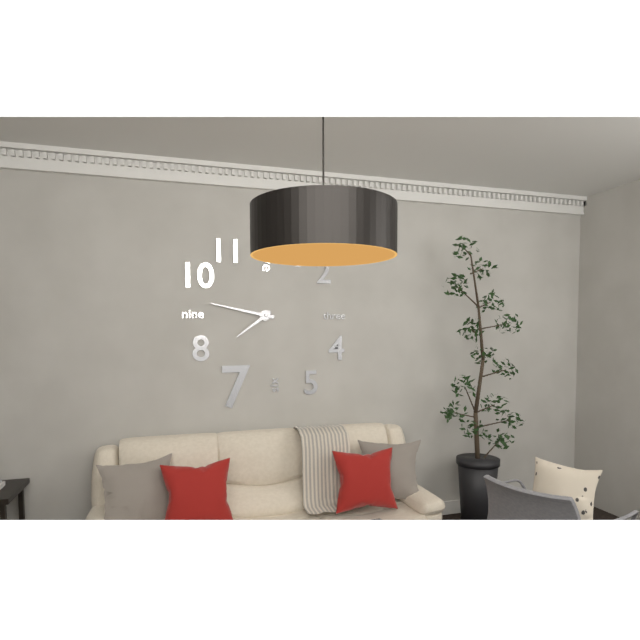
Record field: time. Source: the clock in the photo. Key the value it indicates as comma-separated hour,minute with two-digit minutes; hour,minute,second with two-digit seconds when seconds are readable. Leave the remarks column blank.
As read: 7,47
